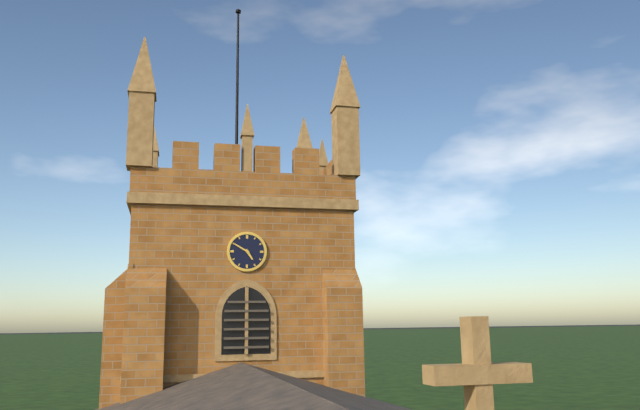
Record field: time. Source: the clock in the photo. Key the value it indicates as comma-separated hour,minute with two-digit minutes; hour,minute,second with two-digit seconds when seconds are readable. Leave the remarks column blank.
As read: 4,50
